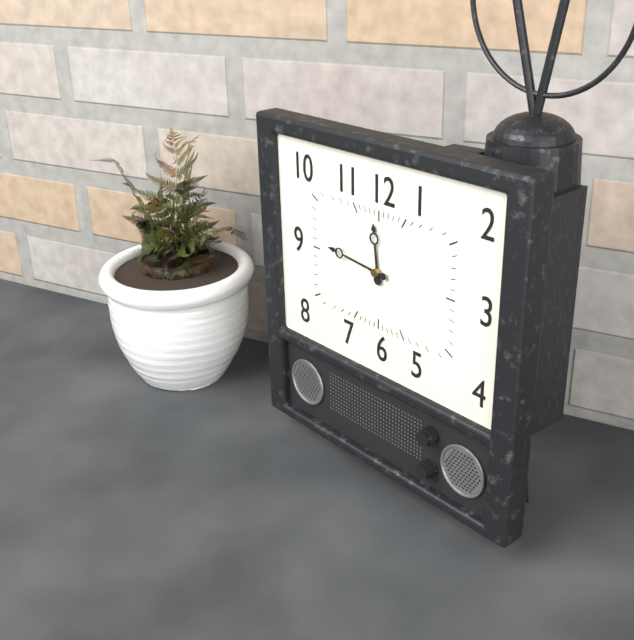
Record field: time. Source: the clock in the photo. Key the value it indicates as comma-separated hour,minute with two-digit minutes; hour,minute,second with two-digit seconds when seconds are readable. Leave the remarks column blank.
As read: 11,46
